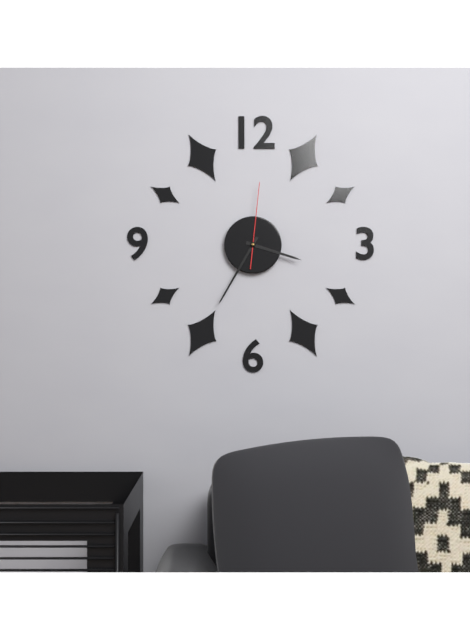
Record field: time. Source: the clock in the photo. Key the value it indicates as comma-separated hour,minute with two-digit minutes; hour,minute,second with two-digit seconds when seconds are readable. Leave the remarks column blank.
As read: 3,35,01
